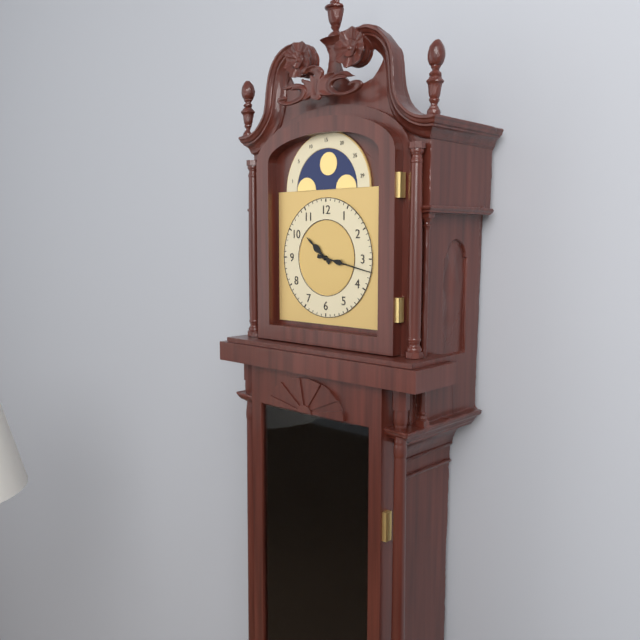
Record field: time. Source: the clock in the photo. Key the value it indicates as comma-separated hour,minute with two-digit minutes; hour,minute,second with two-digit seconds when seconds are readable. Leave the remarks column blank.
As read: 10,17
